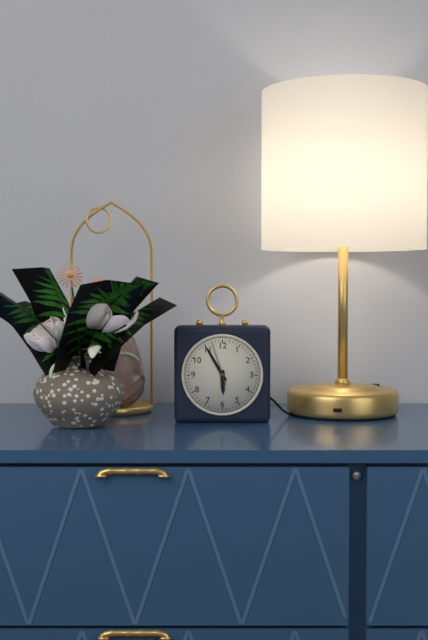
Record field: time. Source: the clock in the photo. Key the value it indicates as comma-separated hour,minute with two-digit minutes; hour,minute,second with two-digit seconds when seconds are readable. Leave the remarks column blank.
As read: 5,55
